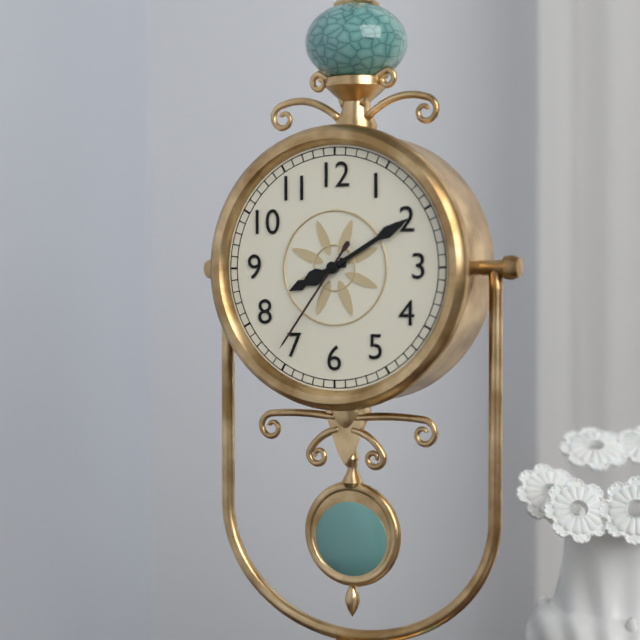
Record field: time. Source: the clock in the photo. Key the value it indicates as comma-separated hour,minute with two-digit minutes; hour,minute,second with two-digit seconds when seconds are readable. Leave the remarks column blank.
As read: 8,10,36
